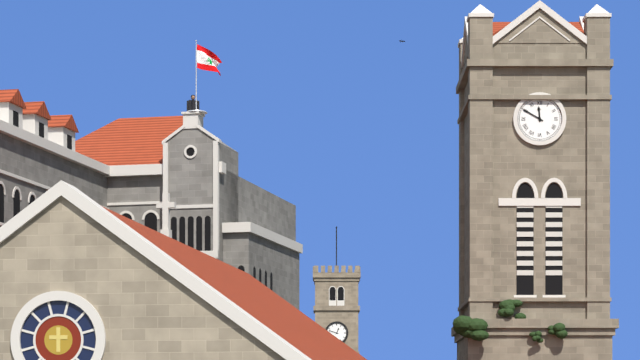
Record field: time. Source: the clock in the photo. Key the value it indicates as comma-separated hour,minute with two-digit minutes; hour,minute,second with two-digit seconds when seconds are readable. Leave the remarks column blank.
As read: 11,50
